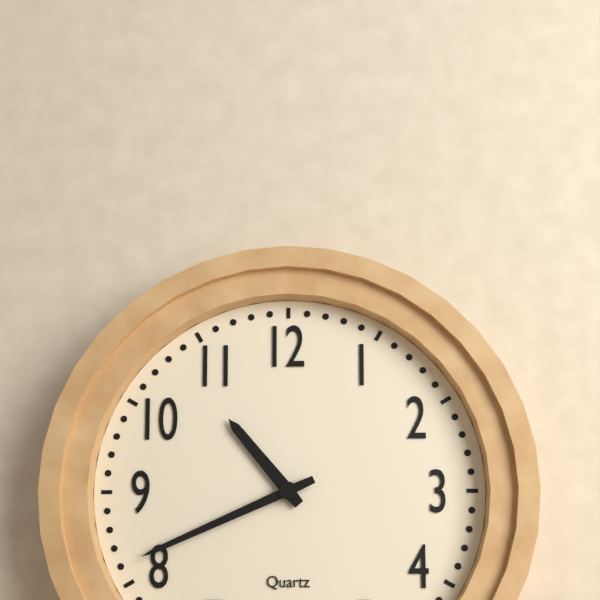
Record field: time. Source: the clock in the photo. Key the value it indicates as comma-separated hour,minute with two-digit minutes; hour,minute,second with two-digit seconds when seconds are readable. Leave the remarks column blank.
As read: 10,41
